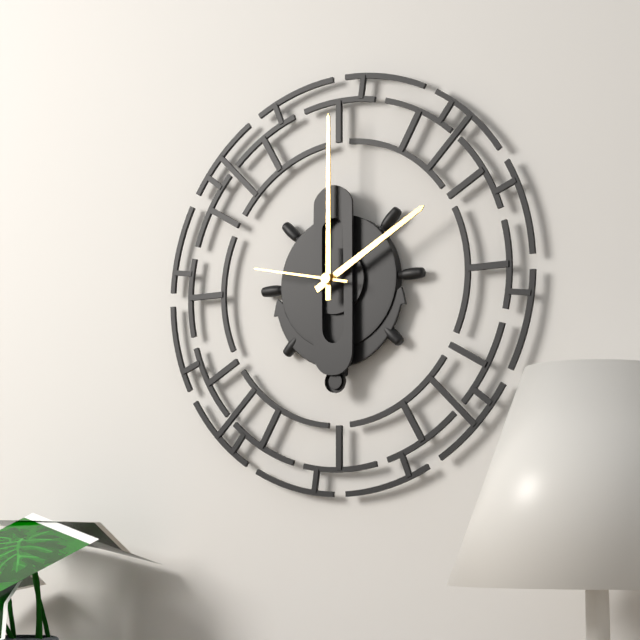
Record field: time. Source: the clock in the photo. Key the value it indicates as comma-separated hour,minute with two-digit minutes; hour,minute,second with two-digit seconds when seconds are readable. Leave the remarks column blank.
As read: 2,00,47
